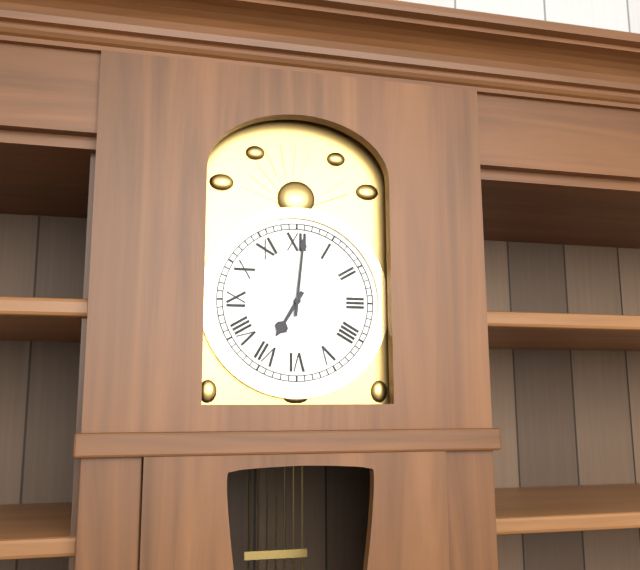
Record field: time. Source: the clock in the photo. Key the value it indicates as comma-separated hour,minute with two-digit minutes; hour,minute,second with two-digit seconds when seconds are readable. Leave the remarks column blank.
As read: 7,01
